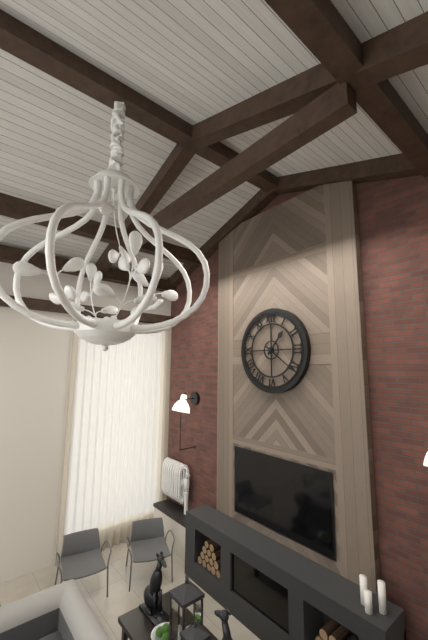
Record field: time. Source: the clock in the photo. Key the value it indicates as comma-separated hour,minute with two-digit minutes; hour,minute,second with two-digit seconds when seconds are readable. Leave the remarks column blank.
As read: 1,21
